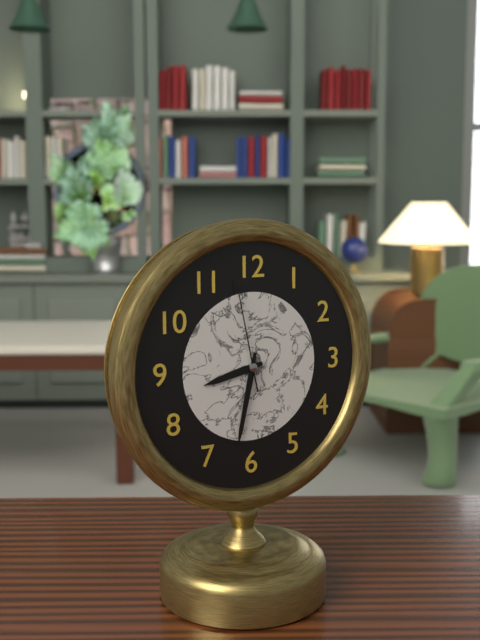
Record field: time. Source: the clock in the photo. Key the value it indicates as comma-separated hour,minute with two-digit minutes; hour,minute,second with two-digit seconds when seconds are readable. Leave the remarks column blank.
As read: 8,32,58
